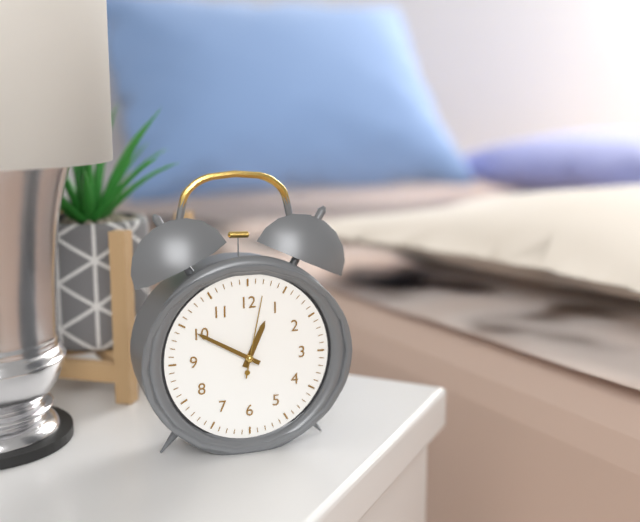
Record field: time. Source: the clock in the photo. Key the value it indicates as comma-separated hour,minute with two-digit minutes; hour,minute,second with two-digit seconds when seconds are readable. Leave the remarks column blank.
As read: 12,50,02
